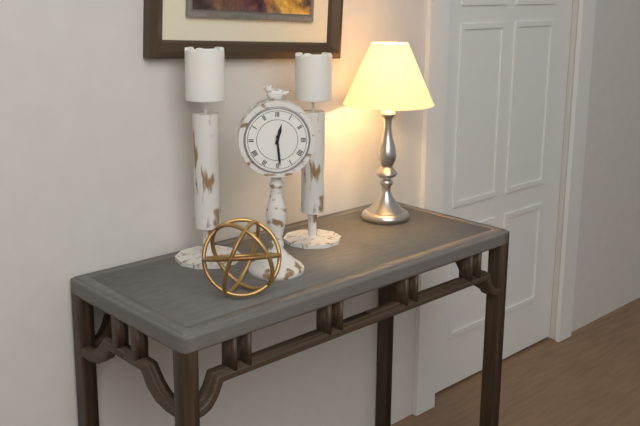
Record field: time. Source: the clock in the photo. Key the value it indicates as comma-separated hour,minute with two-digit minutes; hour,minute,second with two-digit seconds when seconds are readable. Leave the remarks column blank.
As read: 12,29
